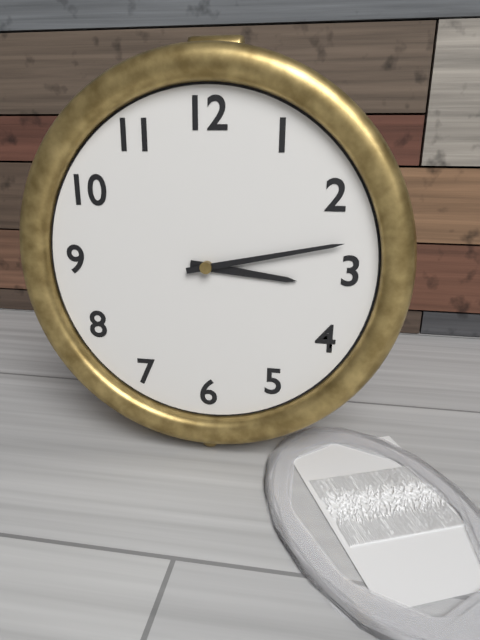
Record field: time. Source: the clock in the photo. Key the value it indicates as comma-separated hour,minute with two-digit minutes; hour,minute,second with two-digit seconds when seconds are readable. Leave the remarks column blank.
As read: 3,13
